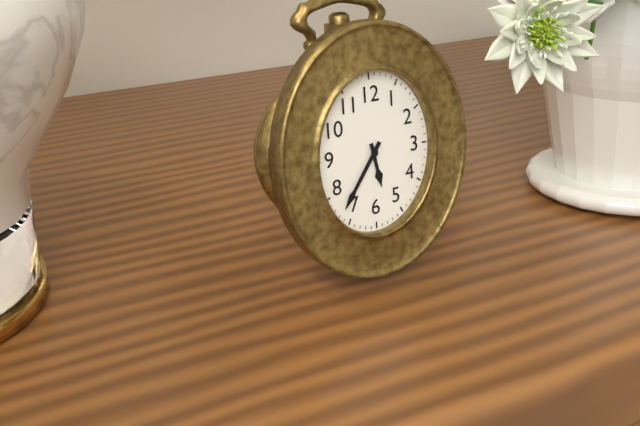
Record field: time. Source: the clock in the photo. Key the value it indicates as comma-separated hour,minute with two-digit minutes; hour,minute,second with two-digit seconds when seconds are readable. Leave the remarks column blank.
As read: 5,36
